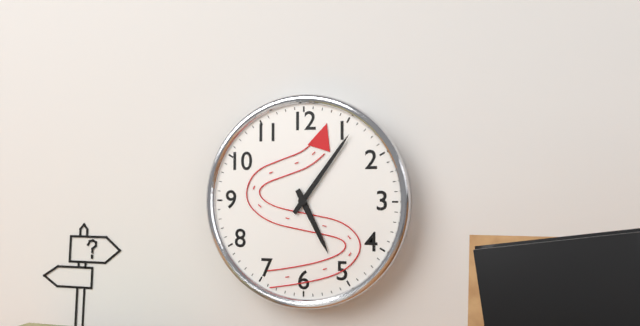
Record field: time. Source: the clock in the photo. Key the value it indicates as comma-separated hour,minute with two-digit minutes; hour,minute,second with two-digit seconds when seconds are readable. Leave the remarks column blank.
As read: 5,06
